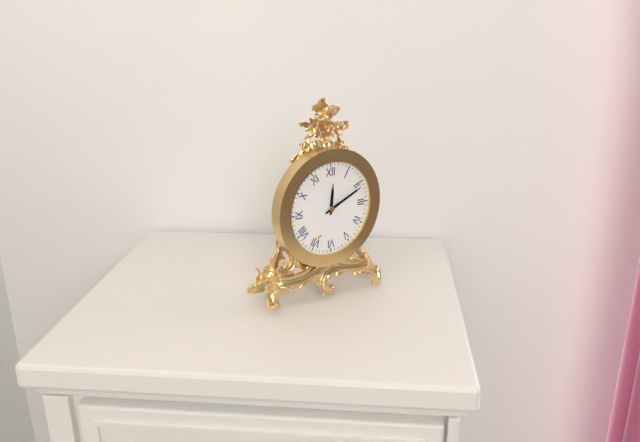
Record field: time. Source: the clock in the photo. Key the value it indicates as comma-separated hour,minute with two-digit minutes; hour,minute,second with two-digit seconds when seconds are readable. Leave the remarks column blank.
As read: 12,11
